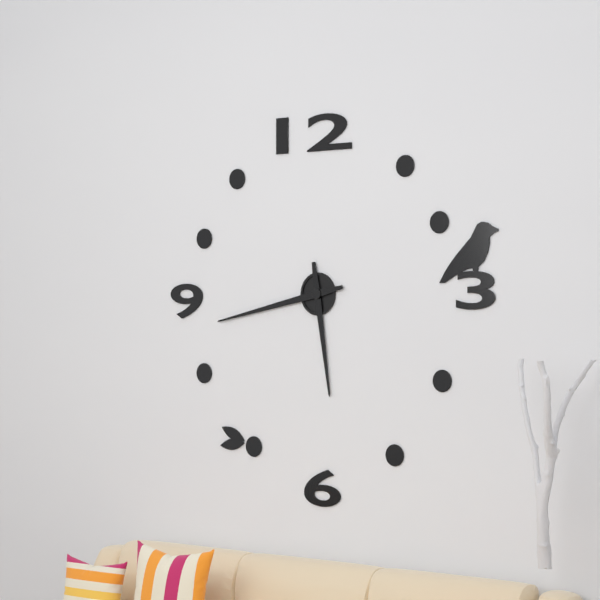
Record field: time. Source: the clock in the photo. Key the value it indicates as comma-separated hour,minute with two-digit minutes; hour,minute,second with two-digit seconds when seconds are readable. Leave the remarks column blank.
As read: 5,43
